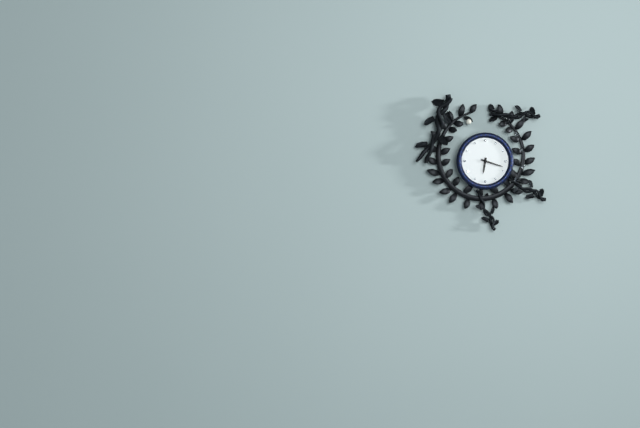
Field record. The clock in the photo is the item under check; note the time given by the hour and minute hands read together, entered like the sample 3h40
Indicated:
6h18
